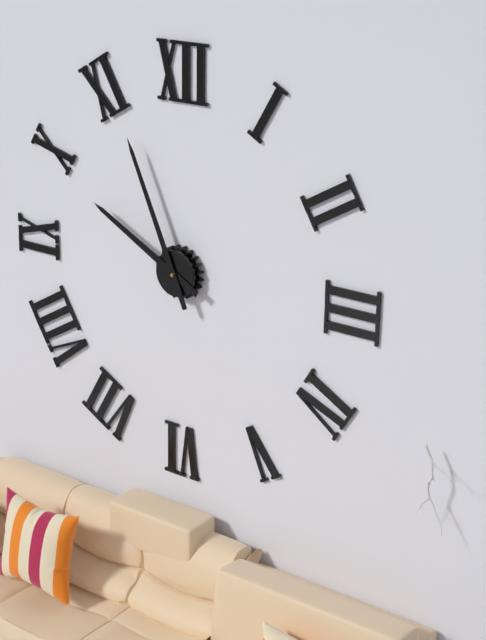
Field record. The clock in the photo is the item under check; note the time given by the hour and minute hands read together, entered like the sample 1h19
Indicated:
9h56
